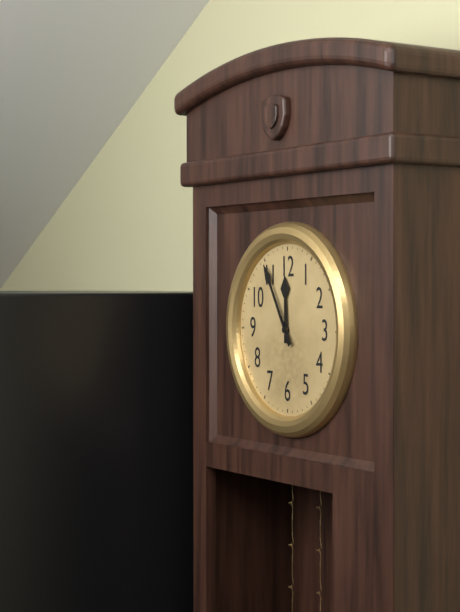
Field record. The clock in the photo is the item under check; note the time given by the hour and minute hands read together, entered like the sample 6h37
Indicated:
11h55
